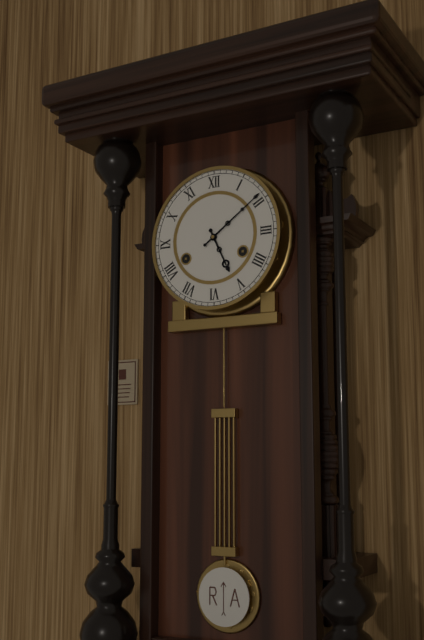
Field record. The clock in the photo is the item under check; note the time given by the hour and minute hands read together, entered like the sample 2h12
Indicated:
5h09
